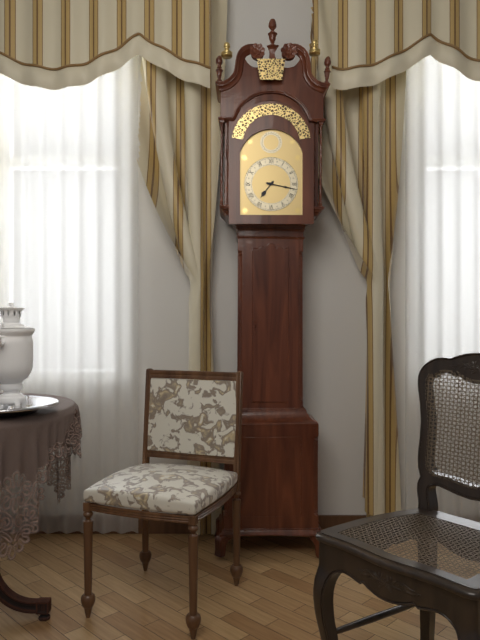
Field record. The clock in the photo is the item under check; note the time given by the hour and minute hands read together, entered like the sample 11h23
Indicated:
7h17
